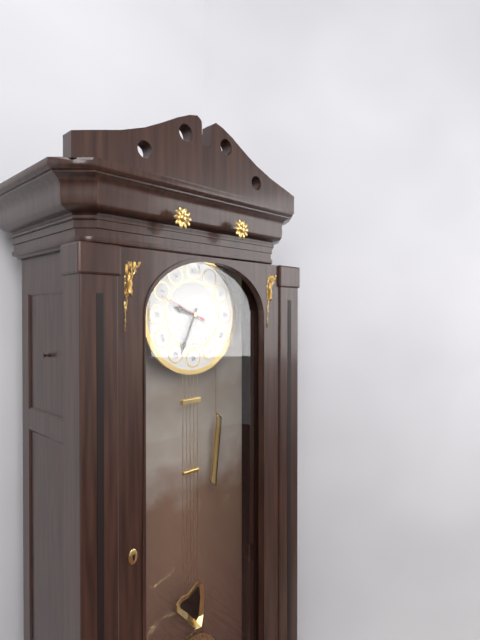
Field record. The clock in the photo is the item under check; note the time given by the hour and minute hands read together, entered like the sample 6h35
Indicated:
9h34
